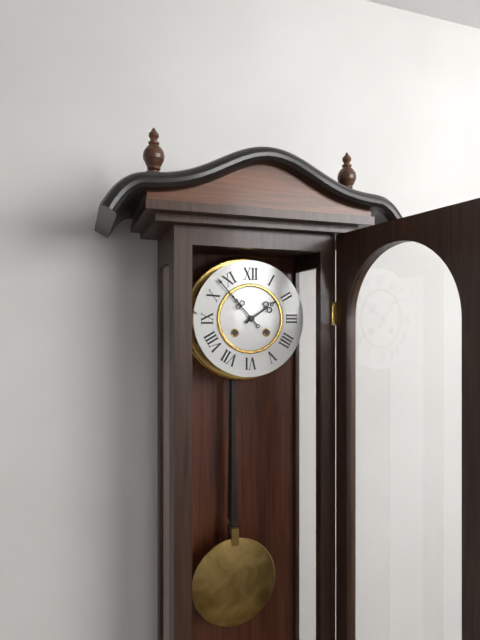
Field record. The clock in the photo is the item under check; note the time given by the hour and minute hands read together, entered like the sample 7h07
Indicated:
1h53
